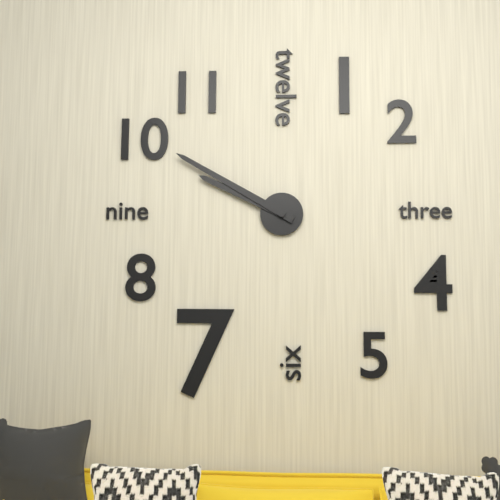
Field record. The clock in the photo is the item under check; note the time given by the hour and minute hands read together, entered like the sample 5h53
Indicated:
9h50
